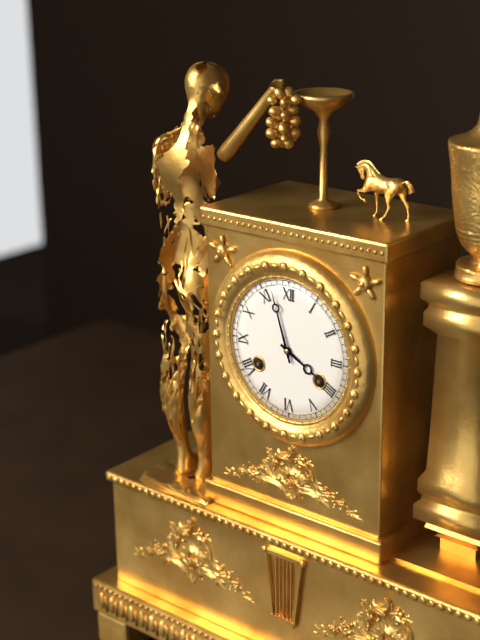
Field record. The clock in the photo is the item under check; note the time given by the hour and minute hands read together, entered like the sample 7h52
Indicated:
3h57
